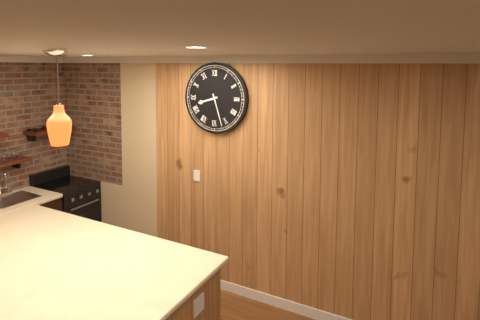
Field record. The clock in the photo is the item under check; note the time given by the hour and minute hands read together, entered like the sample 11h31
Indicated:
8h27
